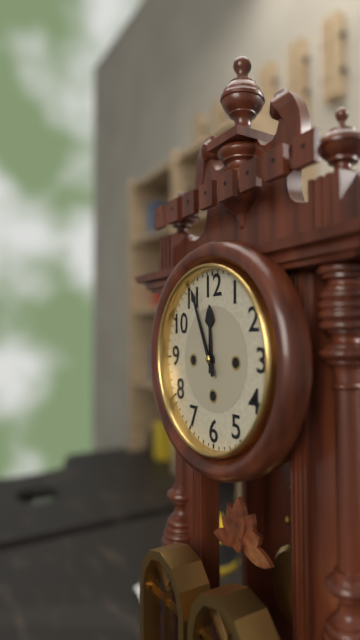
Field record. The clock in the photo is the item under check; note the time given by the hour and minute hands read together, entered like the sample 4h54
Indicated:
11h56
